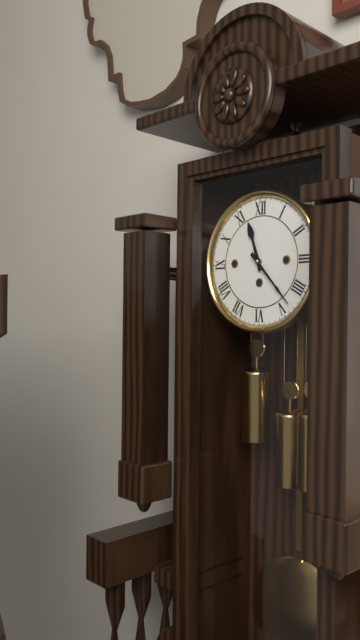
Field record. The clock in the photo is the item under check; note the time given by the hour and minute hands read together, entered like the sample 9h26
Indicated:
11h23
